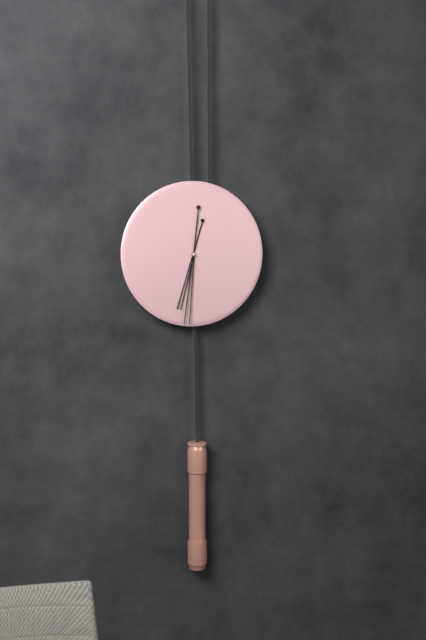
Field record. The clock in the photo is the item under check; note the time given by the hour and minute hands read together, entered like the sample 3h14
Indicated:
6h31
